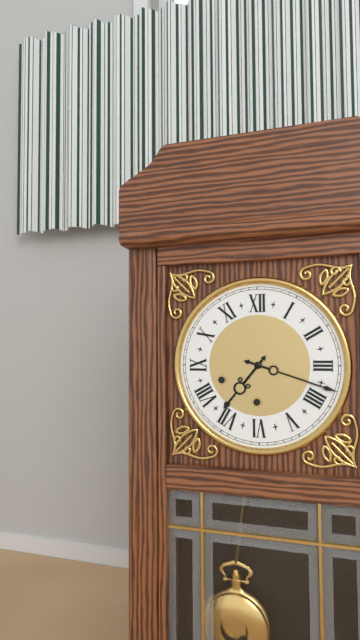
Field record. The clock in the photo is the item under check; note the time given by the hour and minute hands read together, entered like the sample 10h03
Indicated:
7h18
